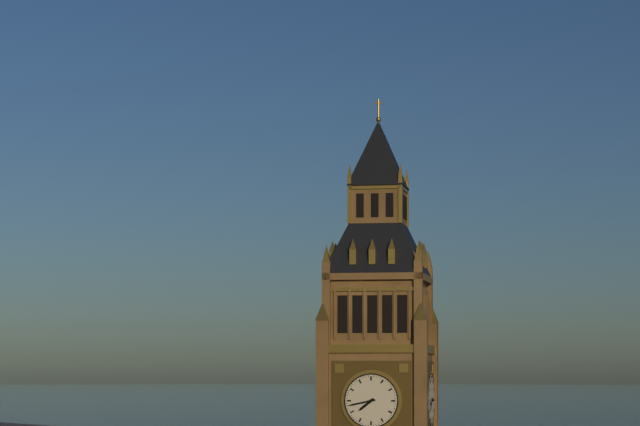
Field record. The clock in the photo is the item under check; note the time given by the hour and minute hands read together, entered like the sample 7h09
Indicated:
7h43
